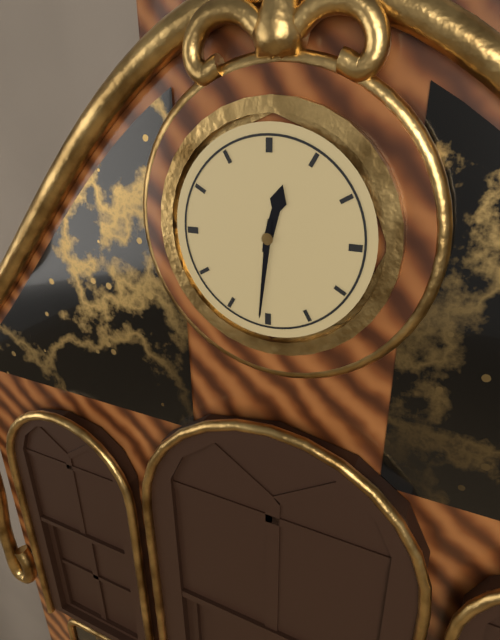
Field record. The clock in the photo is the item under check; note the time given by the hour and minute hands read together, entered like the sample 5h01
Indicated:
12h31
